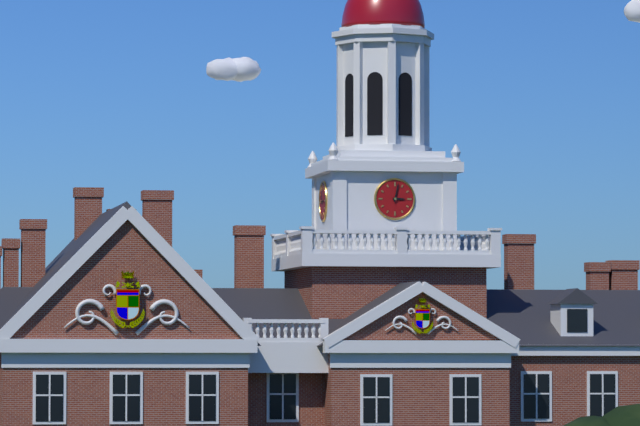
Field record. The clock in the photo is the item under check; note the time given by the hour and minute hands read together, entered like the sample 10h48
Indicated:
3h02
